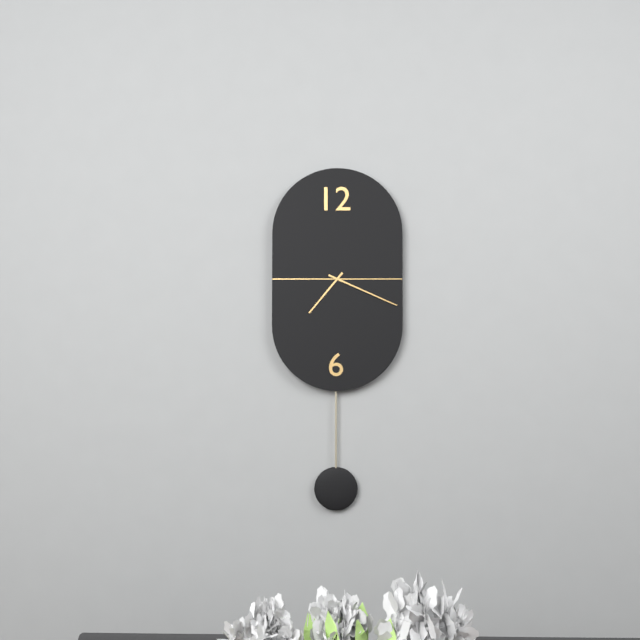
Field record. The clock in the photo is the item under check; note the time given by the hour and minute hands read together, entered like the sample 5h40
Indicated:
7h19
